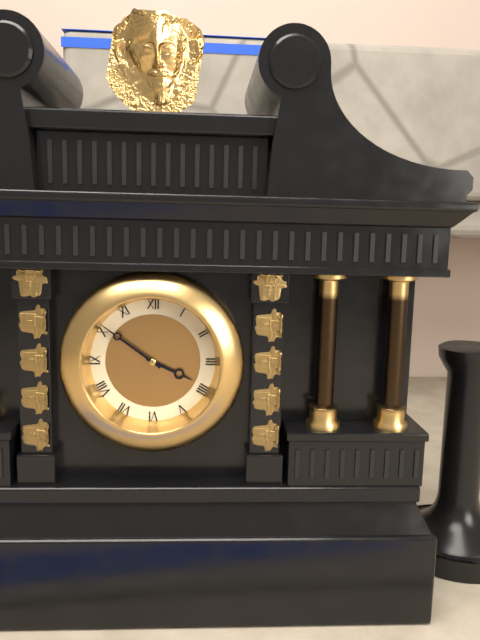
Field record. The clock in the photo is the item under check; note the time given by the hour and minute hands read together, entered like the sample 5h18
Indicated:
3h51
